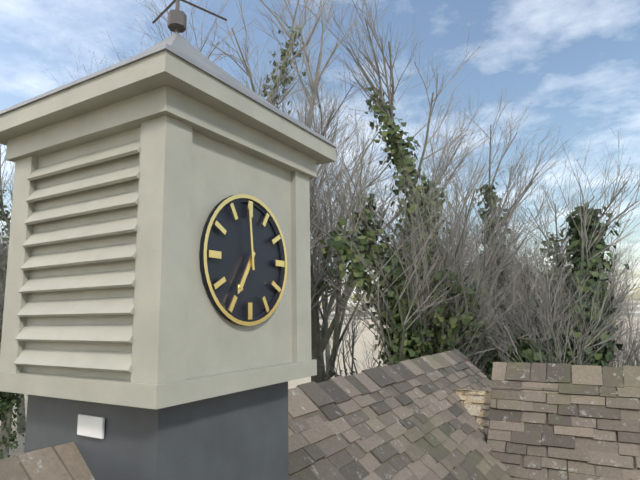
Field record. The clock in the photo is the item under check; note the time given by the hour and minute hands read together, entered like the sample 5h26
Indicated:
6h59
